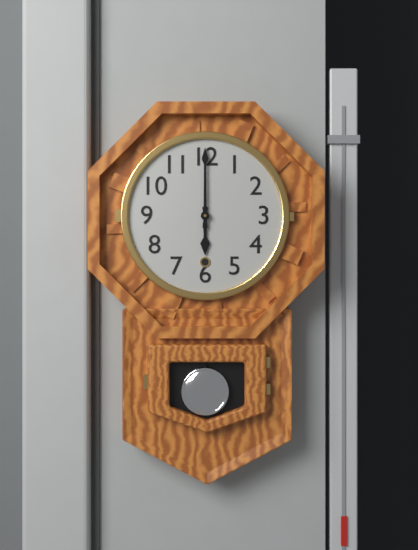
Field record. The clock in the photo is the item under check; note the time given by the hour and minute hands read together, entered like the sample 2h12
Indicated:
6h00
